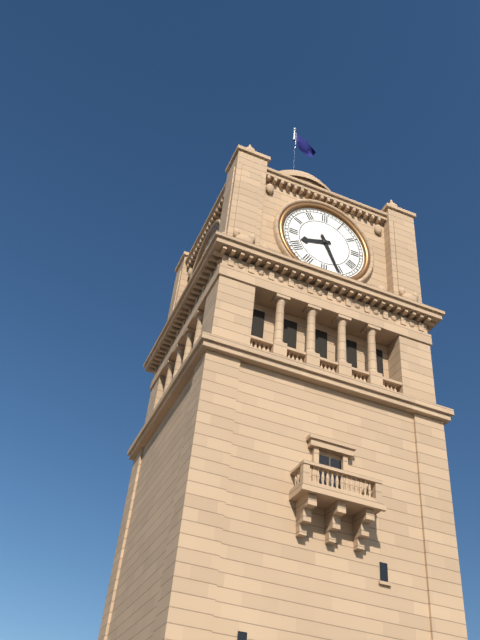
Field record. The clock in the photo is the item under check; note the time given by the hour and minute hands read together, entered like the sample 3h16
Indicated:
8h26
